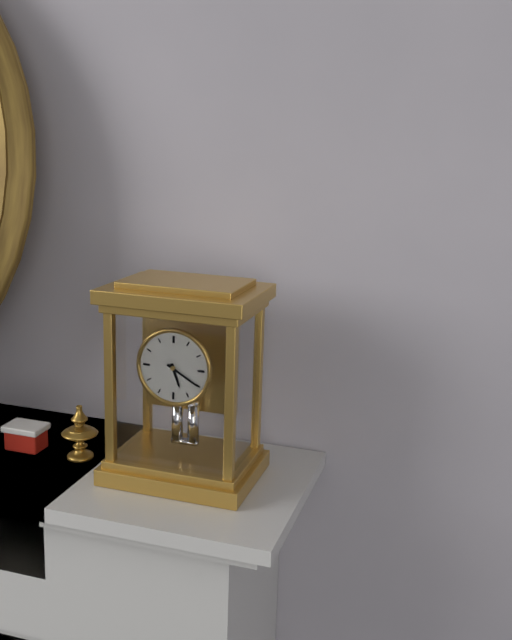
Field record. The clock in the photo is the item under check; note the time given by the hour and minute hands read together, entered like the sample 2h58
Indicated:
5h20
